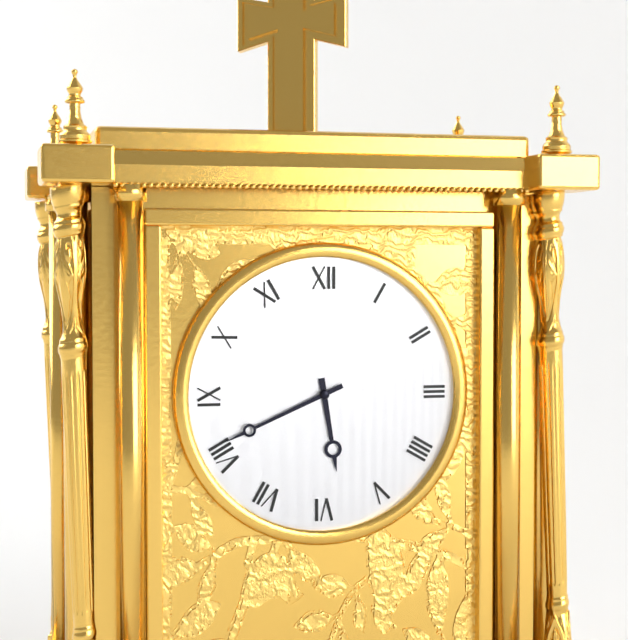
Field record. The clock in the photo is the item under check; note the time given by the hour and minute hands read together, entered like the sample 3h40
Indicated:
5h41
